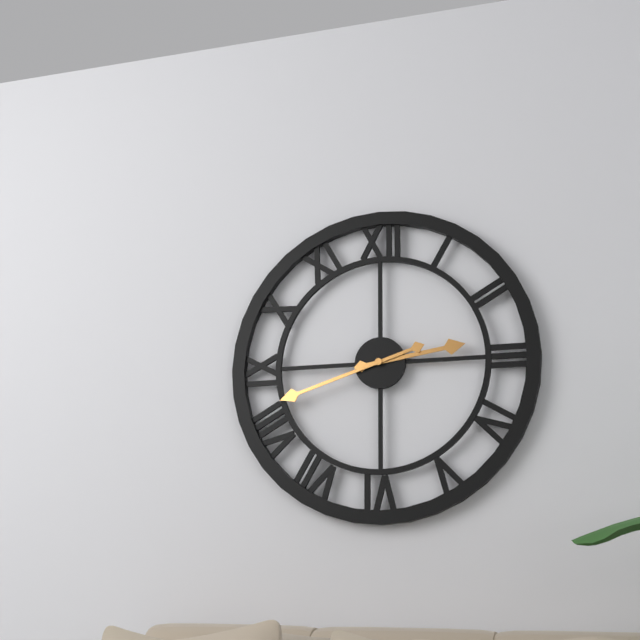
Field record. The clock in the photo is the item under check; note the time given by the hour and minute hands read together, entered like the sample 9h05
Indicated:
2h42
